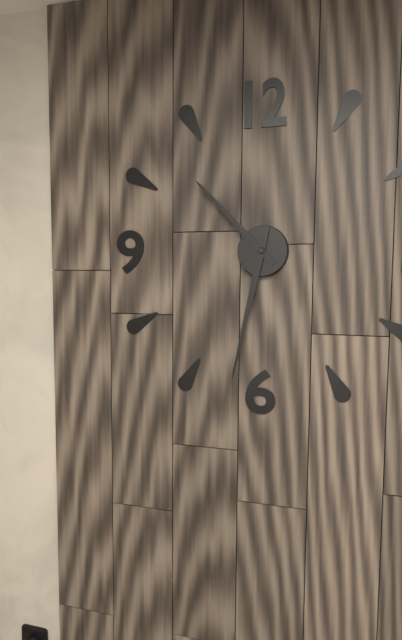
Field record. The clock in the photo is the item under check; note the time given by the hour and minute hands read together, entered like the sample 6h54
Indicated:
10h32
